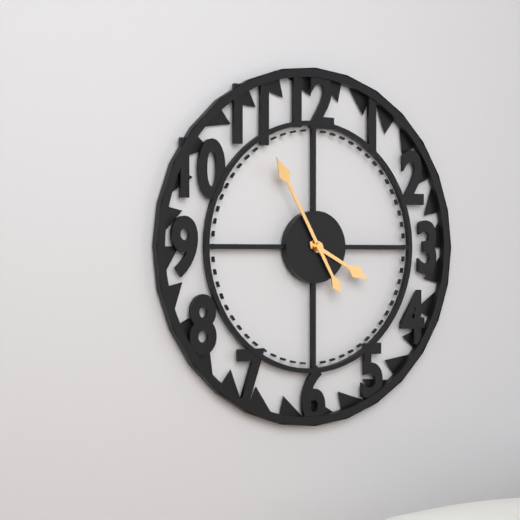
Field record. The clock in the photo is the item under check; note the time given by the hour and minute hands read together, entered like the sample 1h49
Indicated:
3h55
